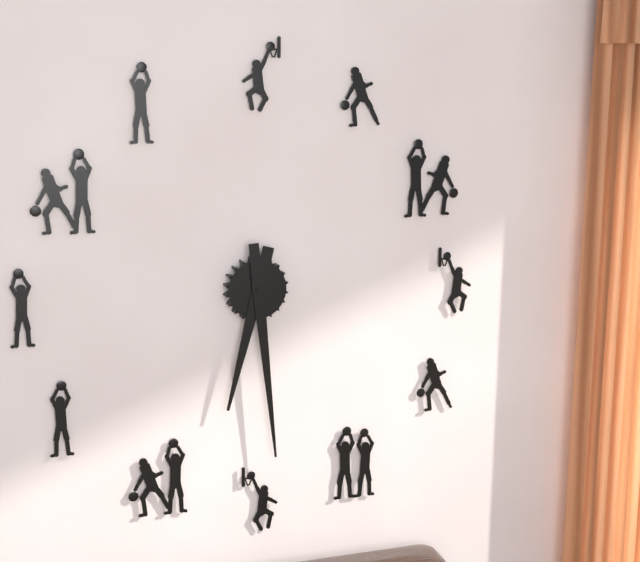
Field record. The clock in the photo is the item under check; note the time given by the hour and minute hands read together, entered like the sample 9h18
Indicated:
6h29
